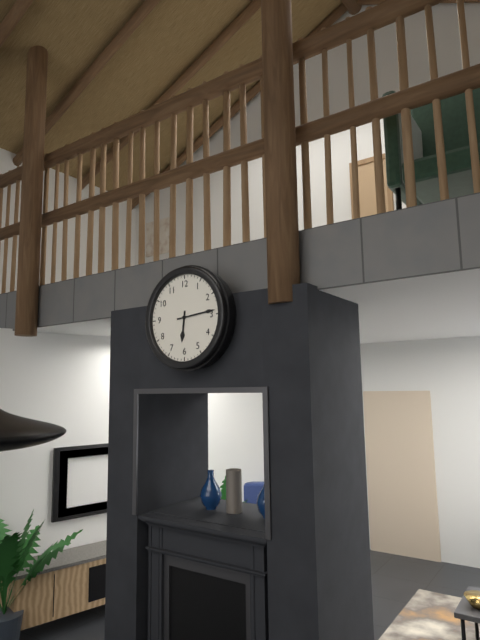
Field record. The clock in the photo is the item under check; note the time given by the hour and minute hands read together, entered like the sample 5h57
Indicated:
6h14
